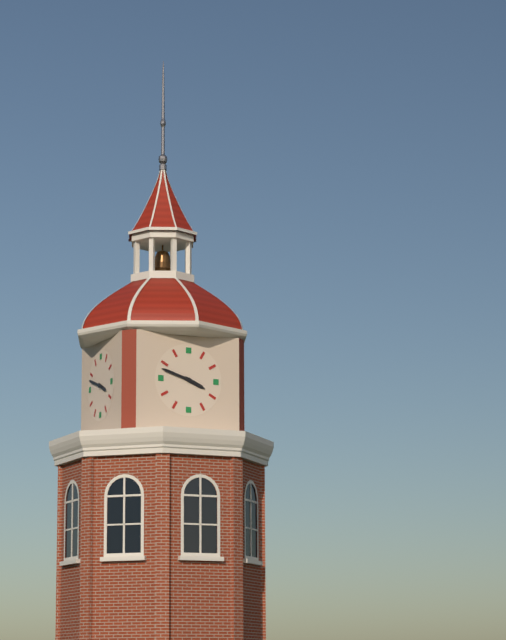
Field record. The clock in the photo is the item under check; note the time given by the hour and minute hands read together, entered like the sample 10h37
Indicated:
3h48
